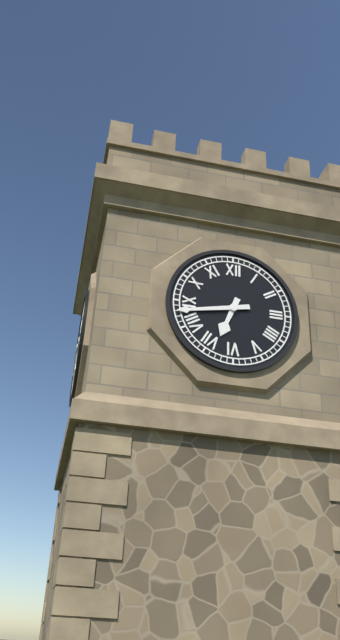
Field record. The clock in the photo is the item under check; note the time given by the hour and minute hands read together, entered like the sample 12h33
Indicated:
6h43
